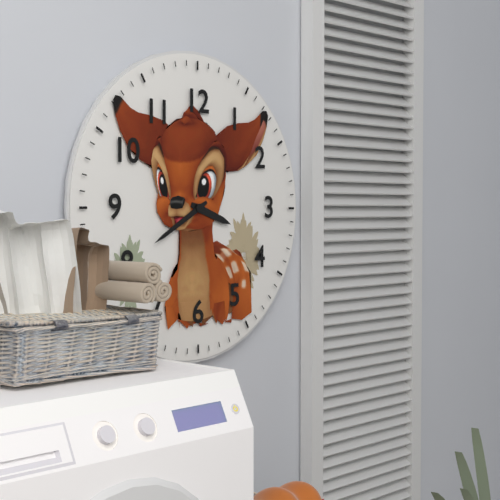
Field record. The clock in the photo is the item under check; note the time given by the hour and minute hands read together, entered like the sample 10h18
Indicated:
3h40
